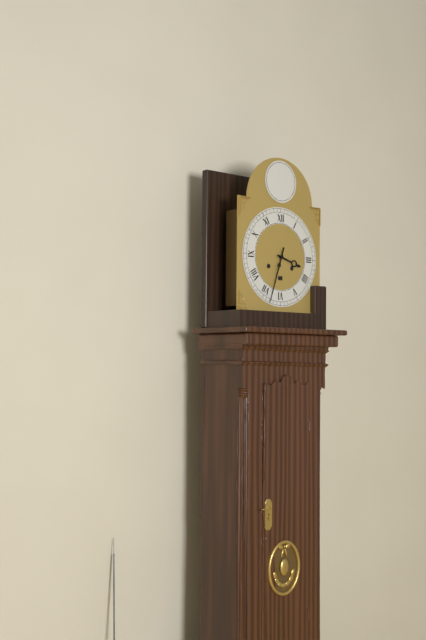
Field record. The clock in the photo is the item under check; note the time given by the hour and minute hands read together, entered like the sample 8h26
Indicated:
3h33
